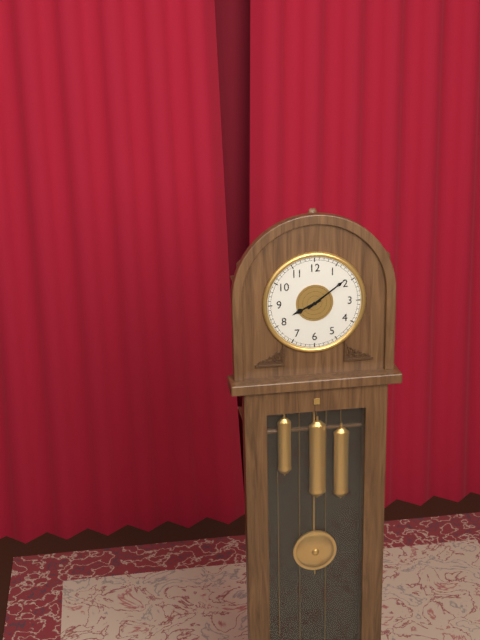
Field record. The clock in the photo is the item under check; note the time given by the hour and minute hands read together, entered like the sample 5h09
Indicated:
8h09
